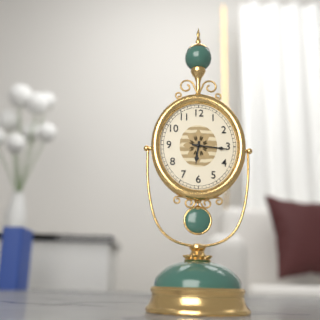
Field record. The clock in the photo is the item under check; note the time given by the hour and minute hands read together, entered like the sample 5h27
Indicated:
6h16
